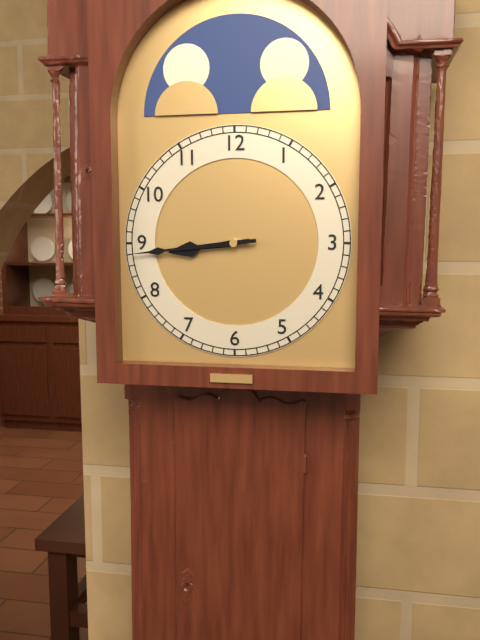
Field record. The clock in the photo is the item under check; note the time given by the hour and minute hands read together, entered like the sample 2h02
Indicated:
8h44
